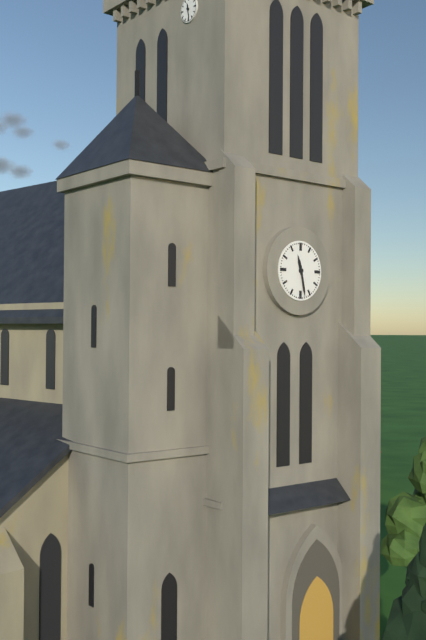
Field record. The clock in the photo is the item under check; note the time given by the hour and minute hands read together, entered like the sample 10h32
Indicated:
11h28
